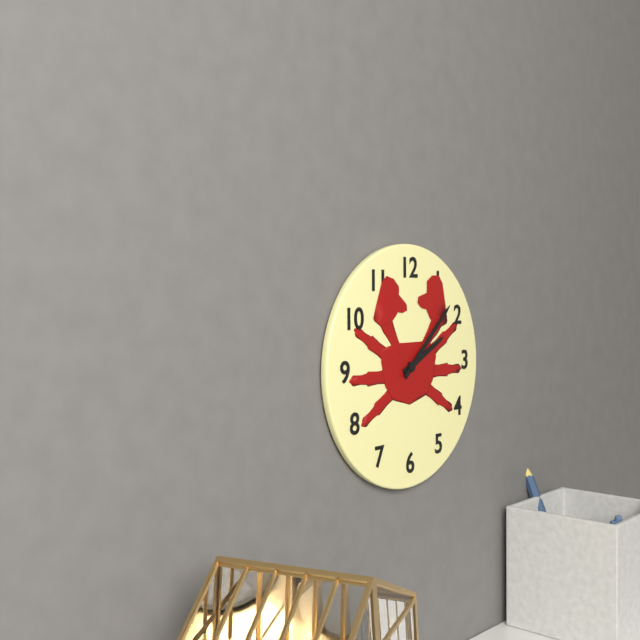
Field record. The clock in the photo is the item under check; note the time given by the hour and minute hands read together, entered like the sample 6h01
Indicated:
2h08
